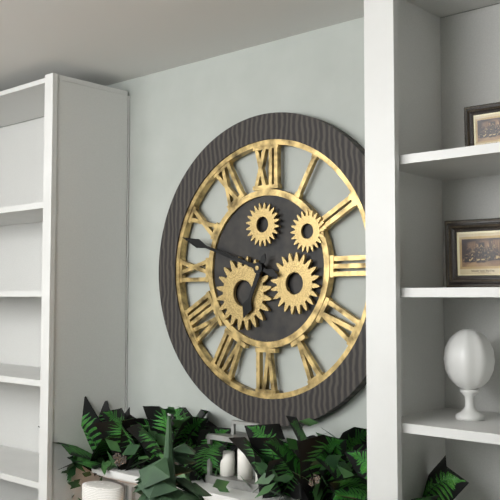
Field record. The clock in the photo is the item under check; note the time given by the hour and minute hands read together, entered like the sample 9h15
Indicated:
6h48
